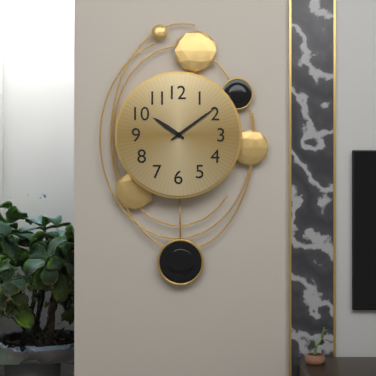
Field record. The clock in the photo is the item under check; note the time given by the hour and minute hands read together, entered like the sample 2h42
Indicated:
10h09
